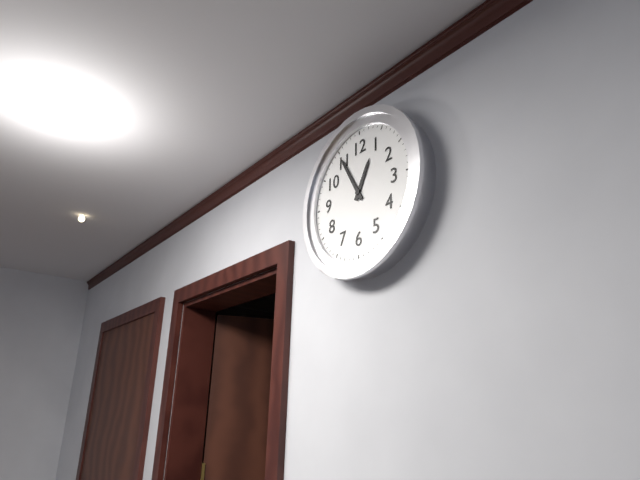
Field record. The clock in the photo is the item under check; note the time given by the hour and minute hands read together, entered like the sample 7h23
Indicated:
12h55
